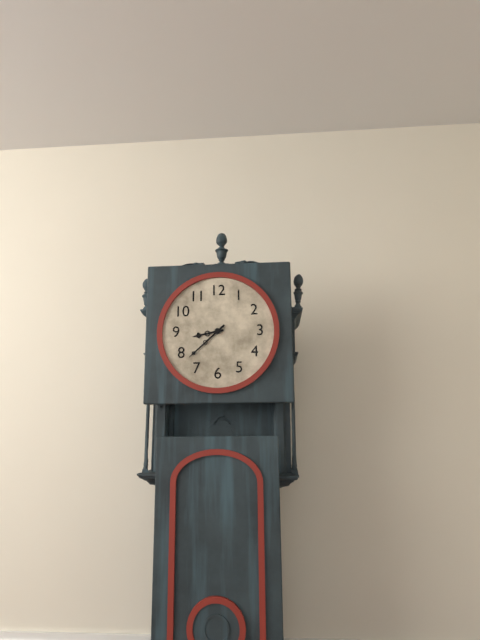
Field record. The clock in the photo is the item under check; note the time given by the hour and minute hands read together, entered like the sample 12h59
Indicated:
8h38
